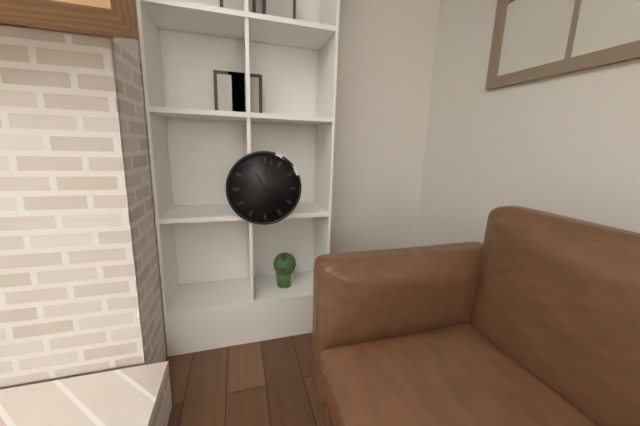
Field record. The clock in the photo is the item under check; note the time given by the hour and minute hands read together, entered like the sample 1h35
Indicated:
11h02
